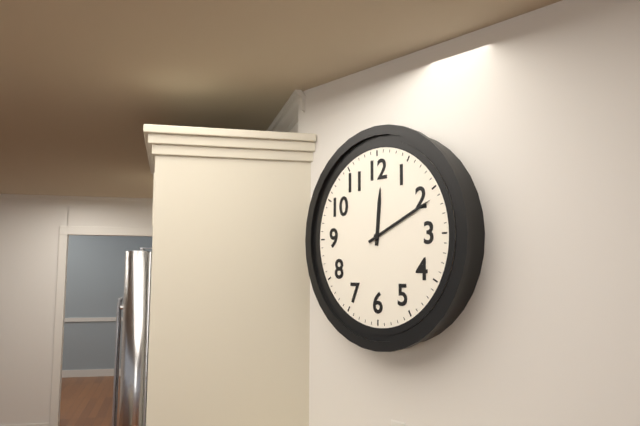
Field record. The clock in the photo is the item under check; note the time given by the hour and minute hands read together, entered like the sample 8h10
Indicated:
12h11
